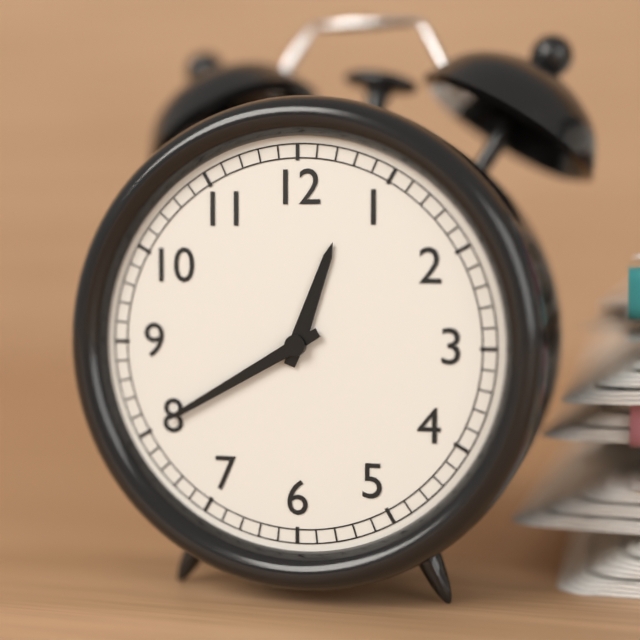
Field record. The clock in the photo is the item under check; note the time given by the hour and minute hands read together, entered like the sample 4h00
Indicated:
12h40
